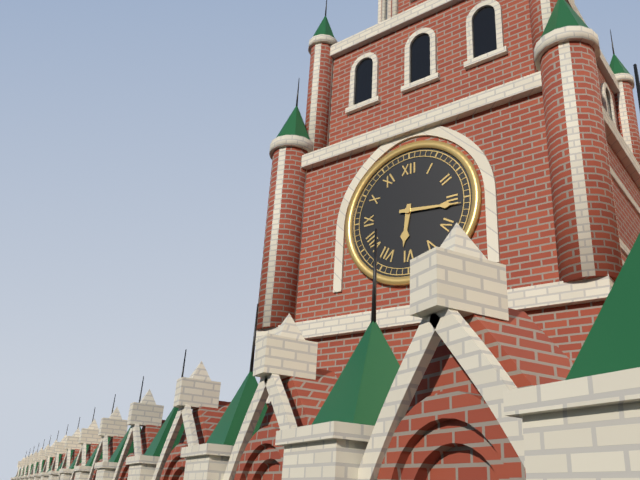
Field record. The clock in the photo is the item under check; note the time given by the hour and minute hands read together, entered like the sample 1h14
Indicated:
6h16
